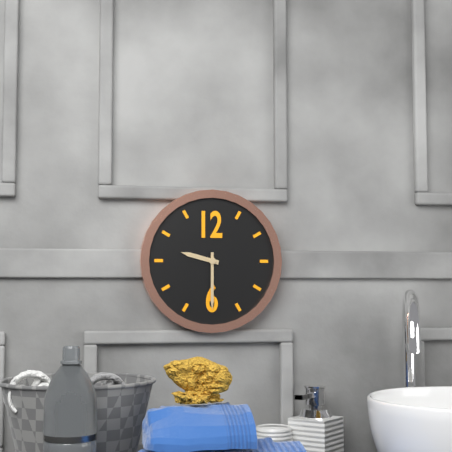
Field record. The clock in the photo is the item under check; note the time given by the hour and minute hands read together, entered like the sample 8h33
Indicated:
9h30
